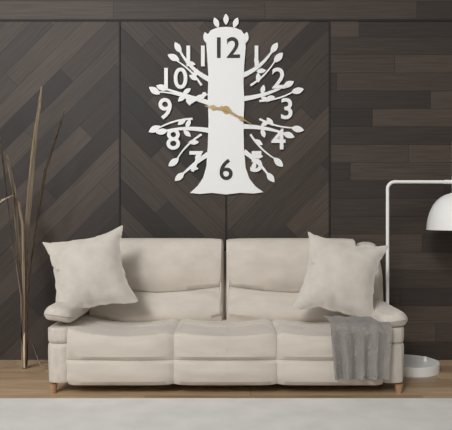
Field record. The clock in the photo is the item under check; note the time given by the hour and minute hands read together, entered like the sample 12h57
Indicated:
9h20
